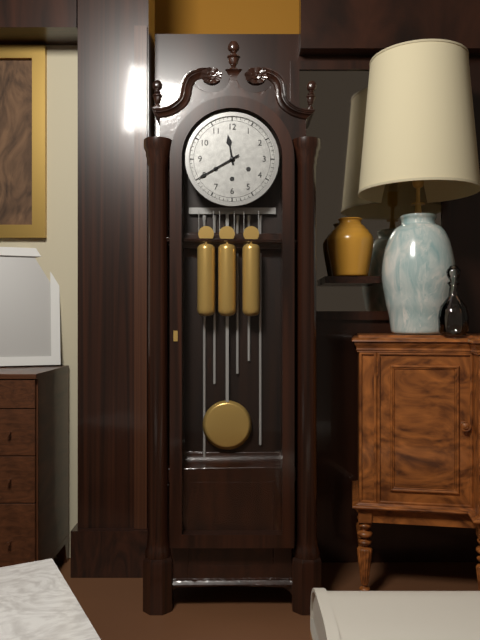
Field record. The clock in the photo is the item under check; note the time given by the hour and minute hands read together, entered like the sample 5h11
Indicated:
11h40
